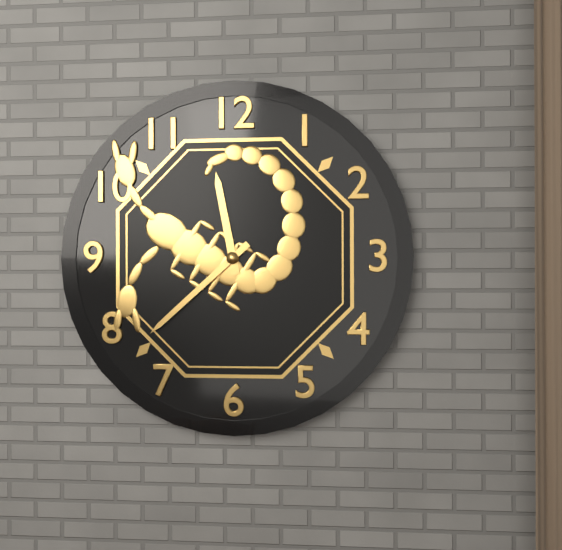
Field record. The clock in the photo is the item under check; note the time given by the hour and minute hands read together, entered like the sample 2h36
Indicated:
11h38
